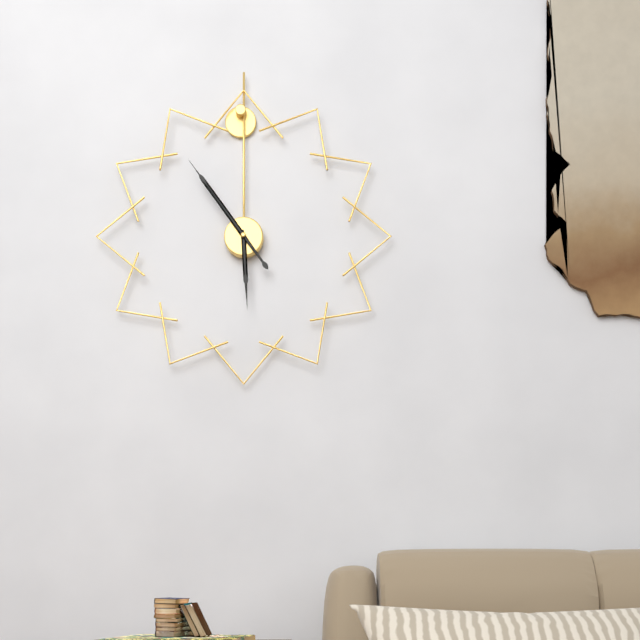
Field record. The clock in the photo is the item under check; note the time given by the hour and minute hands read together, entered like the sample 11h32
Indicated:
5h54
